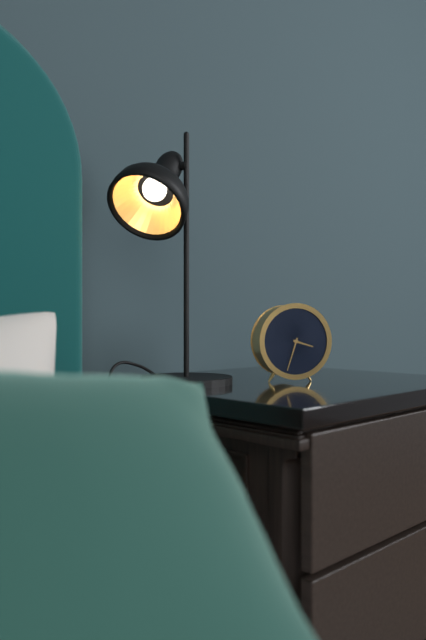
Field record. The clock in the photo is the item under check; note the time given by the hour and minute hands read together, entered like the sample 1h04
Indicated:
3h33
